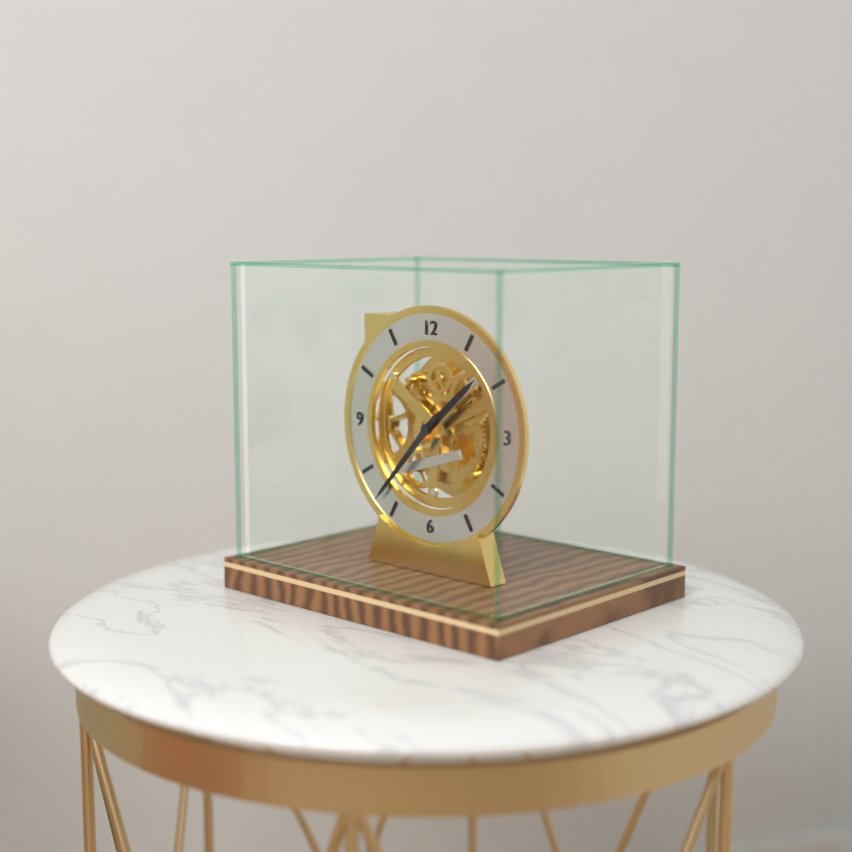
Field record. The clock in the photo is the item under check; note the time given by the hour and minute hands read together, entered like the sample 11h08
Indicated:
1h37
